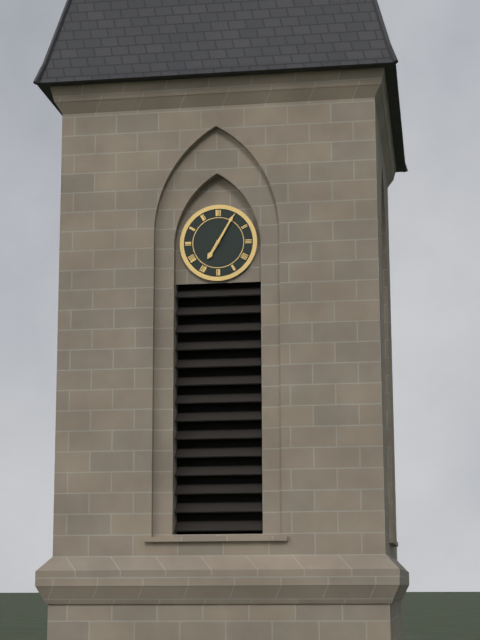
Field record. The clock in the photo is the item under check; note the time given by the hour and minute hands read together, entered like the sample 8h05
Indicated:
7h05
